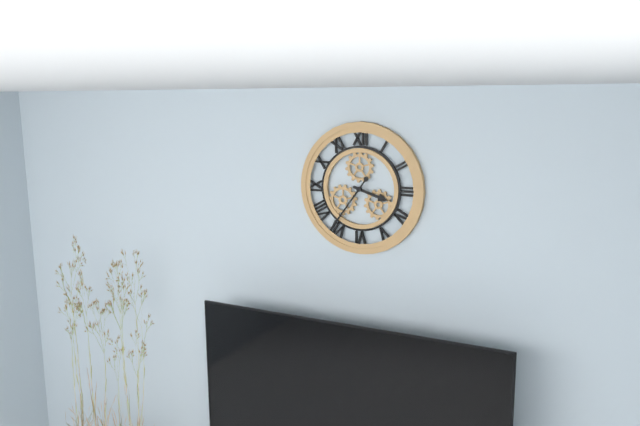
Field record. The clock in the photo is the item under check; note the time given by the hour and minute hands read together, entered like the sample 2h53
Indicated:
3h36
